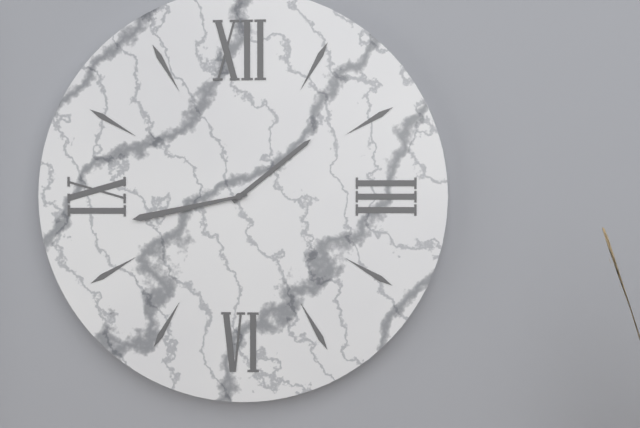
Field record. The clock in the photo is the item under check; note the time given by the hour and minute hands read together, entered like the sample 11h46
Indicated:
1h43
